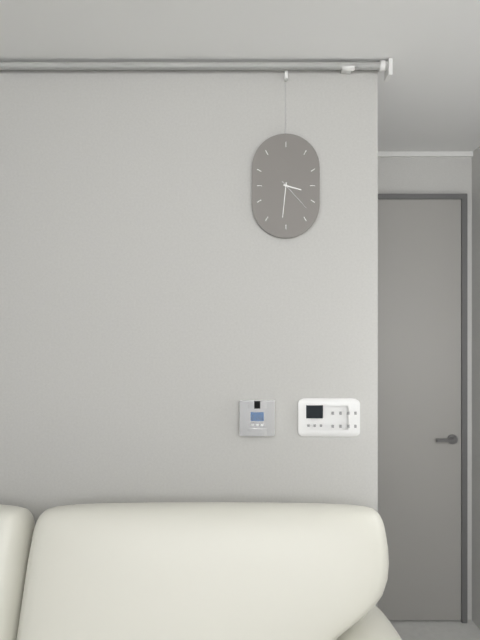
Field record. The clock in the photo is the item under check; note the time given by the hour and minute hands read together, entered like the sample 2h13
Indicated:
3h31
